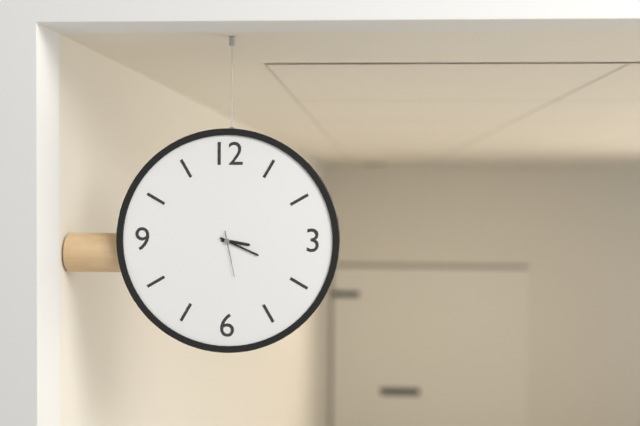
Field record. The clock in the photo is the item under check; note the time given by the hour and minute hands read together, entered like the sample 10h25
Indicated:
3h19
